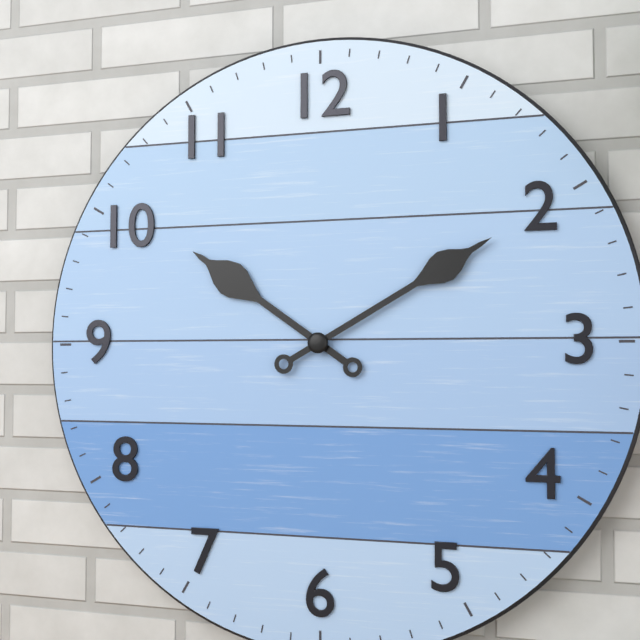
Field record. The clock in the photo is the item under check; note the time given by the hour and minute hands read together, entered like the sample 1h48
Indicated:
10h10
